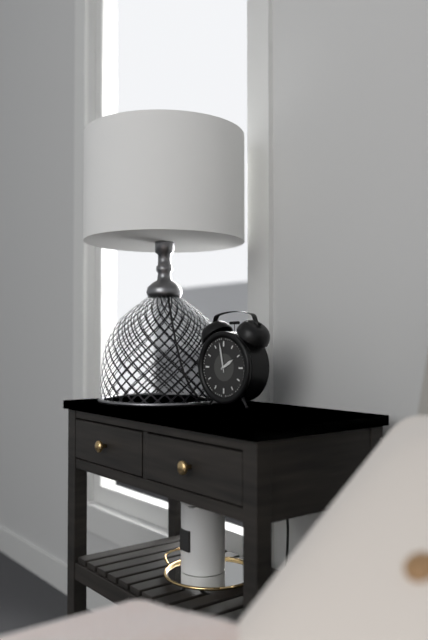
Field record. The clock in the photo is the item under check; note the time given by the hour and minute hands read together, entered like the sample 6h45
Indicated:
1h58
